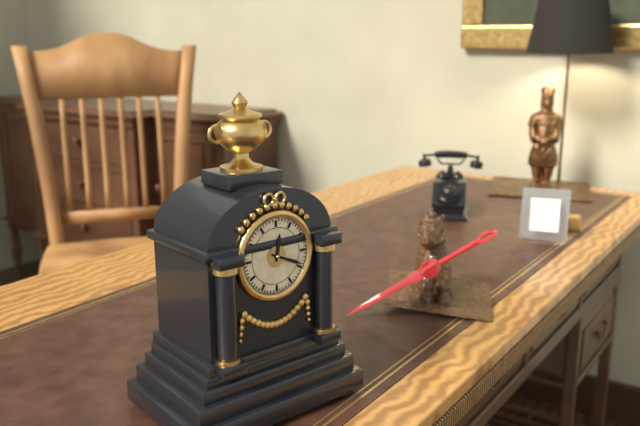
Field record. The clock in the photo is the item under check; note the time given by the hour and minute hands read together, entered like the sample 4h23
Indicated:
12h19
